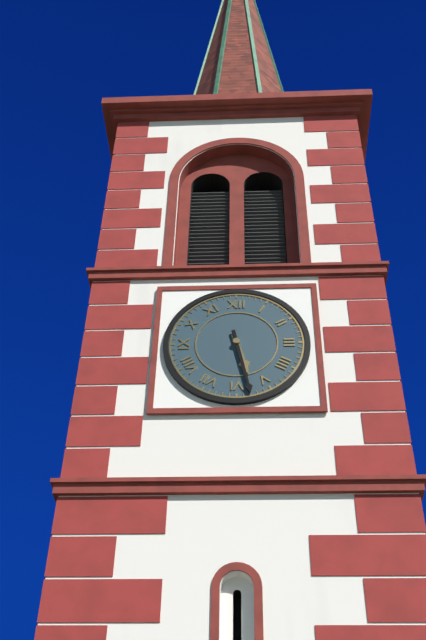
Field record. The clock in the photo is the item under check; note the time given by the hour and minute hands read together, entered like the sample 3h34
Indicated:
5h28
